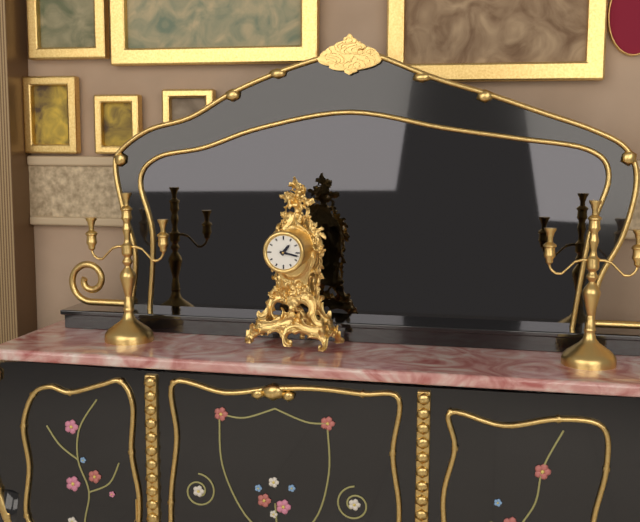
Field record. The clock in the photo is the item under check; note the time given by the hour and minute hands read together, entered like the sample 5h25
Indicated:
1h17
